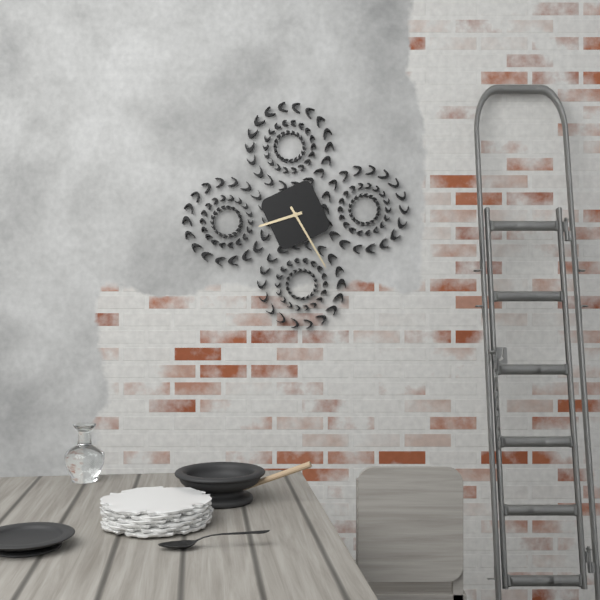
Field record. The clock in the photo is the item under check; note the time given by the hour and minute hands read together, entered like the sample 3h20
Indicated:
8h25
